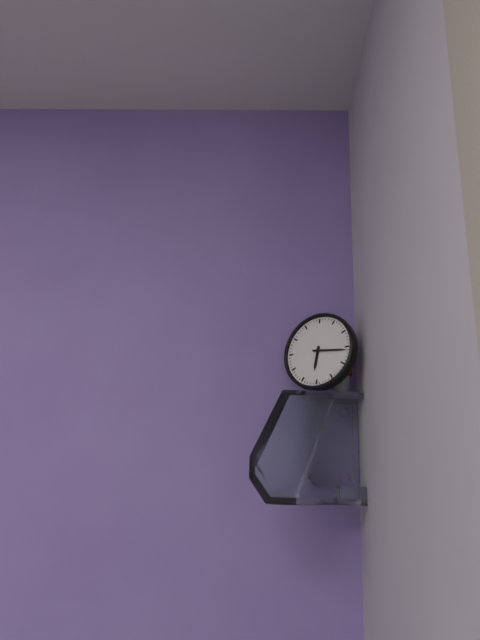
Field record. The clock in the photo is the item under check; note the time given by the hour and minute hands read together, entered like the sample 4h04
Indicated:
6h16
